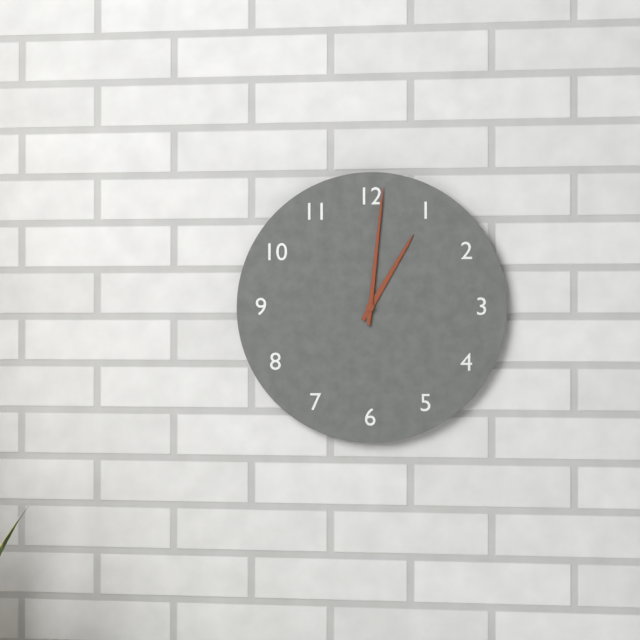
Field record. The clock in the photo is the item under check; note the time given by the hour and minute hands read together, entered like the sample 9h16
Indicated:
1h01
